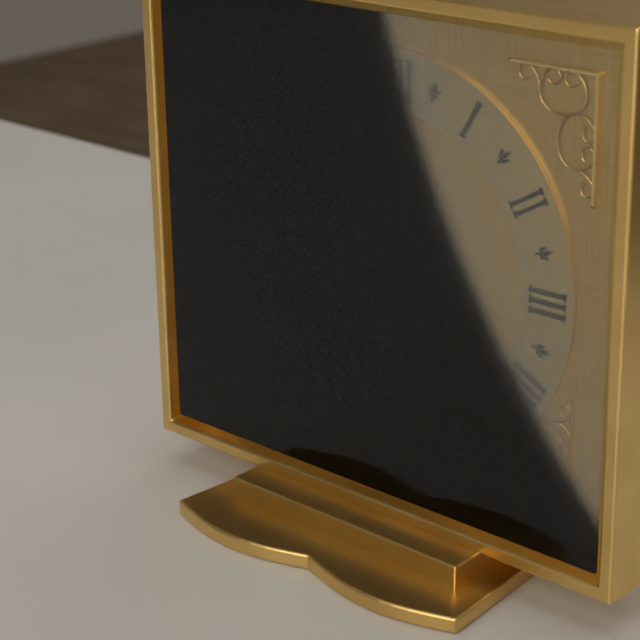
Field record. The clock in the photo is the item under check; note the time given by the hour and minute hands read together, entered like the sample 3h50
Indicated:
7h35
